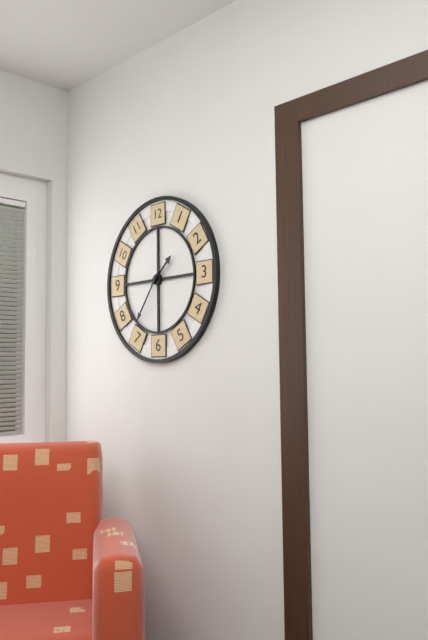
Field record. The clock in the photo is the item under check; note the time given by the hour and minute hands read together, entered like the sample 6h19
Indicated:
1h36
